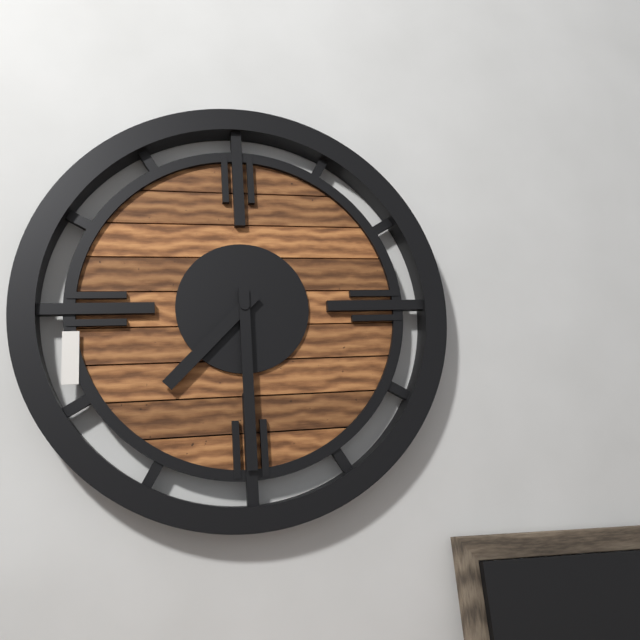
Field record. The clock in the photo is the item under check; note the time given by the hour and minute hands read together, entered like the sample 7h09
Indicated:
7h30
